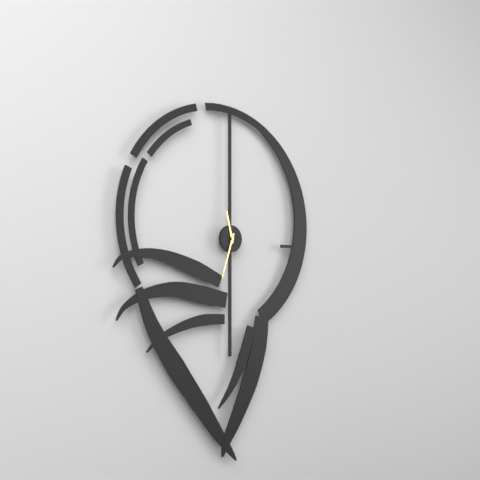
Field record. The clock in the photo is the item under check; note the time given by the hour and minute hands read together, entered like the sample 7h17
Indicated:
11h33
